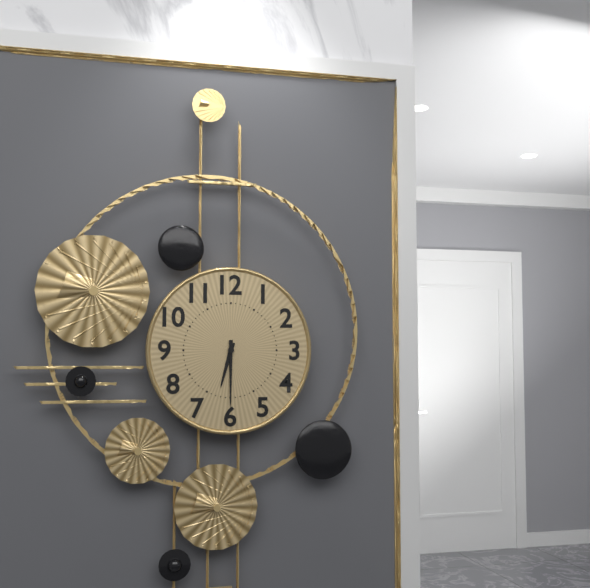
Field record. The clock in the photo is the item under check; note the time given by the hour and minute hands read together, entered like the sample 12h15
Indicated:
6h30
